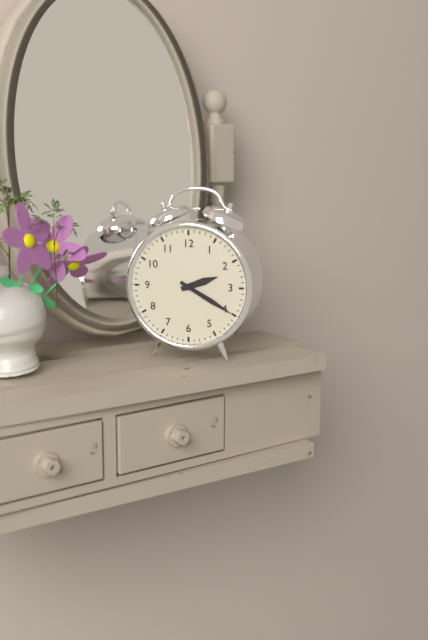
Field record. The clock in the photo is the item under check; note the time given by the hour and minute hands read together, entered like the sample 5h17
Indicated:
2h20
